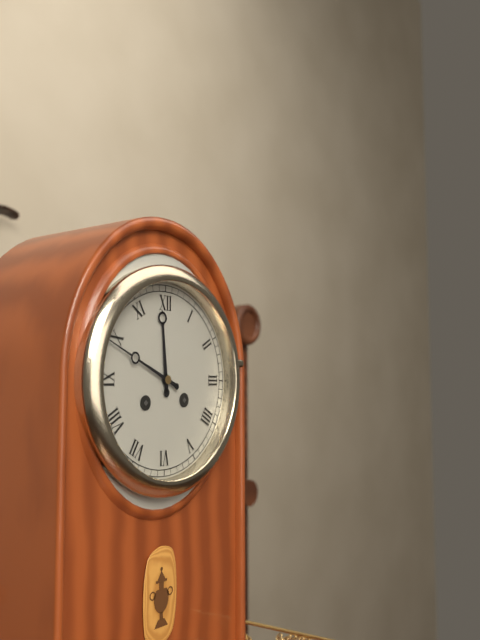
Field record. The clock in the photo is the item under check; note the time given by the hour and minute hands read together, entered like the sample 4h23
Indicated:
11h49
